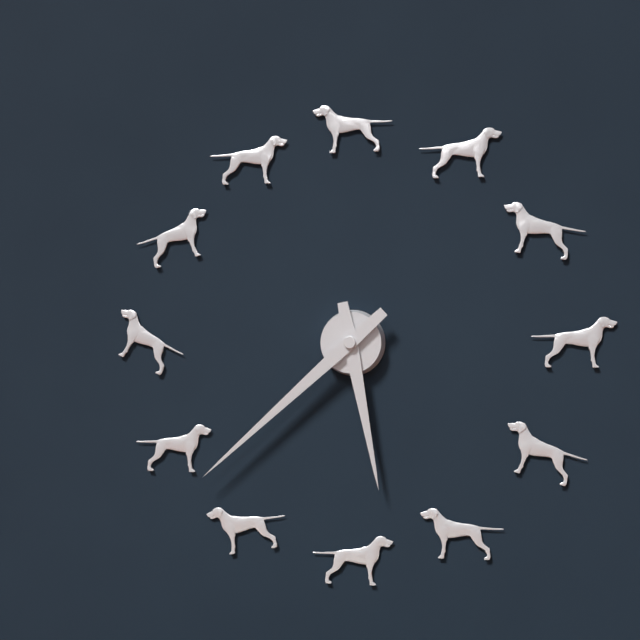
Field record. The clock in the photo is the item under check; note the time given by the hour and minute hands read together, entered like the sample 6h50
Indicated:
5h38
